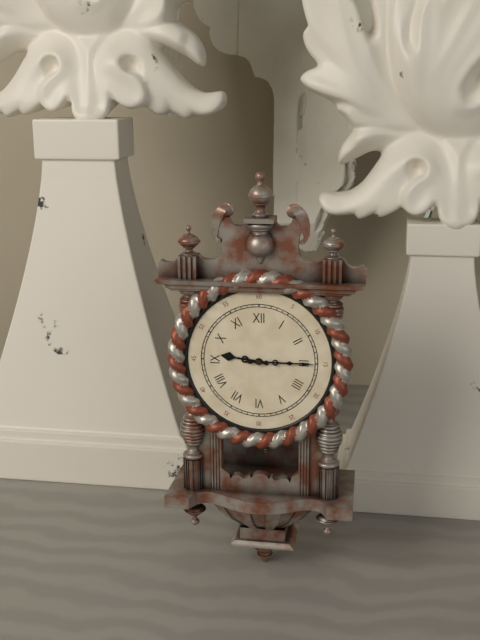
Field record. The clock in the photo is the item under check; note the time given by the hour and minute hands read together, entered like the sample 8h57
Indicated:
9h15
